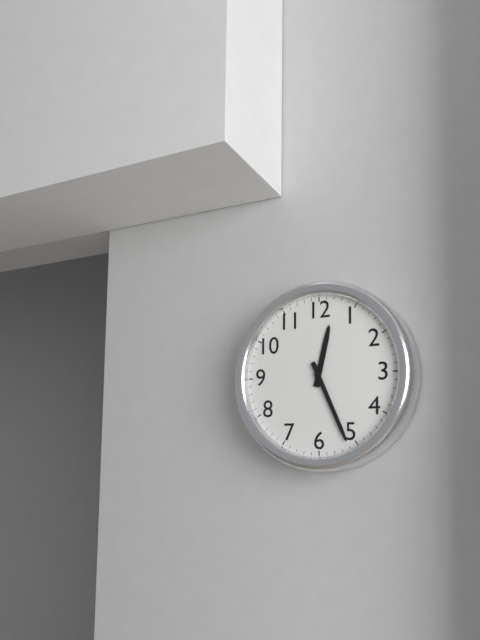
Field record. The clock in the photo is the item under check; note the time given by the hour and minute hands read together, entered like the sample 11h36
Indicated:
12h26
